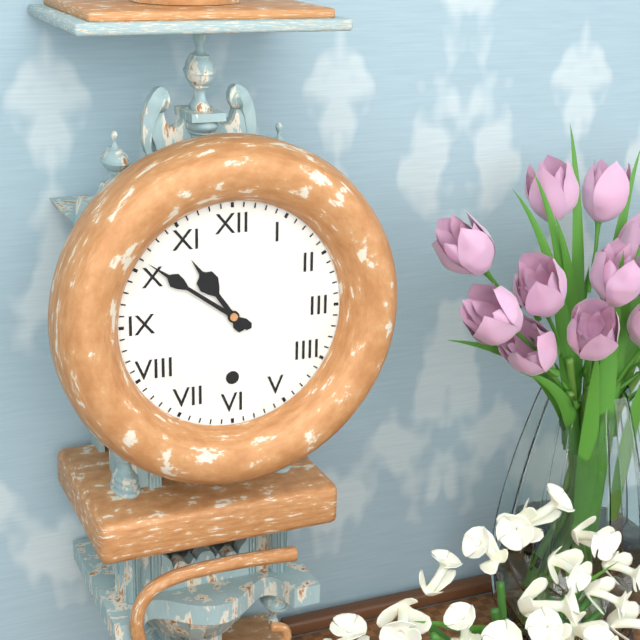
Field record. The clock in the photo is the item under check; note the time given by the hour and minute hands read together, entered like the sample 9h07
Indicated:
10h51
